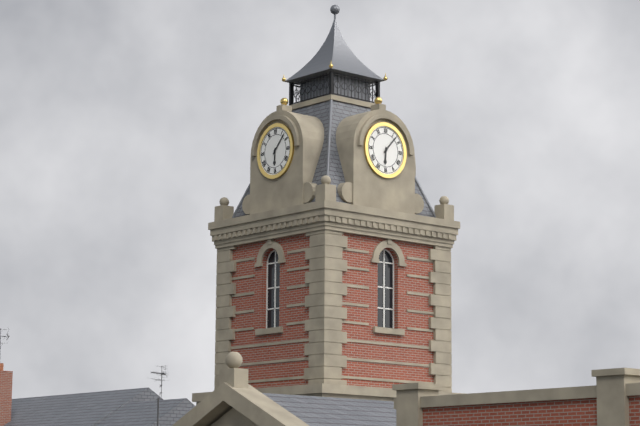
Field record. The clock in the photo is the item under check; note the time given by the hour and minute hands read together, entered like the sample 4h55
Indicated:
6h07
